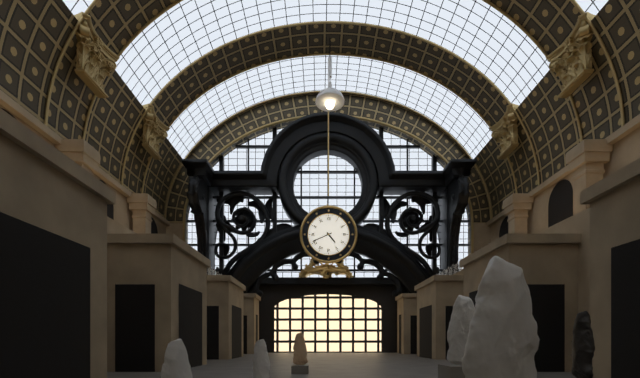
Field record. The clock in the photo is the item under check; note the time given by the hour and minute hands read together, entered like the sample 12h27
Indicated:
4h41
